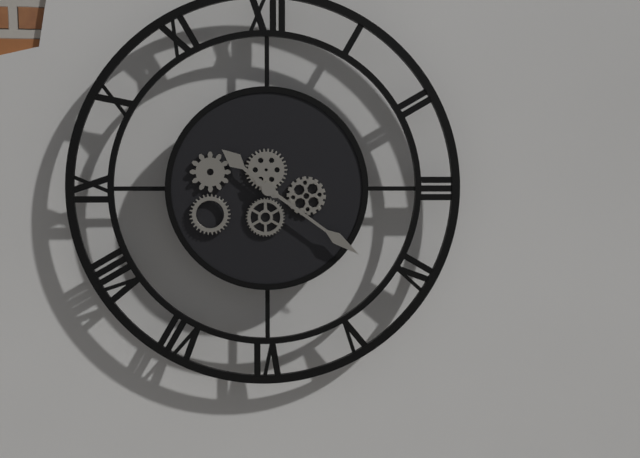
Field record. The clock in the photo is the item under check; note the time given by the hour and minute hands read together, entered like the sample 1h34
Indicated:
10h21
